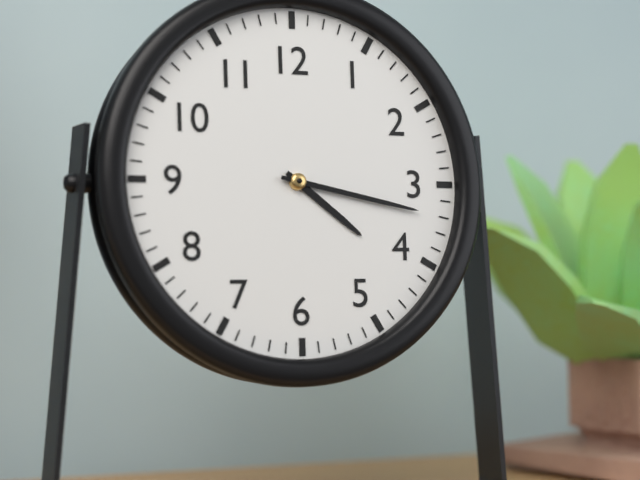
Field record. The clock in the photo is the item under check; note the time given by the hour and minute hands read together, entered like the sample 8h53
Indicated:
4h17
